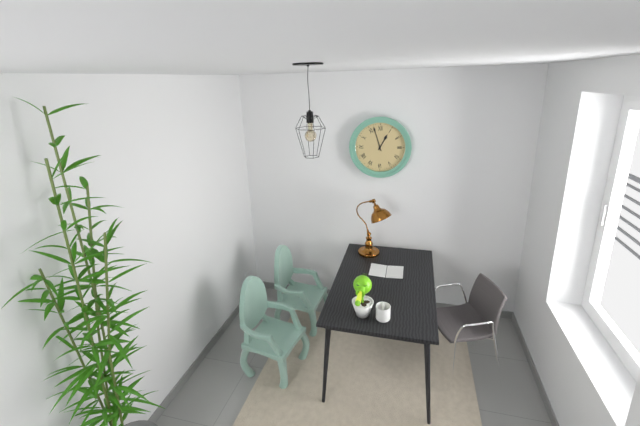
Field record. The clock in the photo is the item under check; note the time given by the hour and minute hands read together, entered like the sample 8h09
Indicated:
12h57
